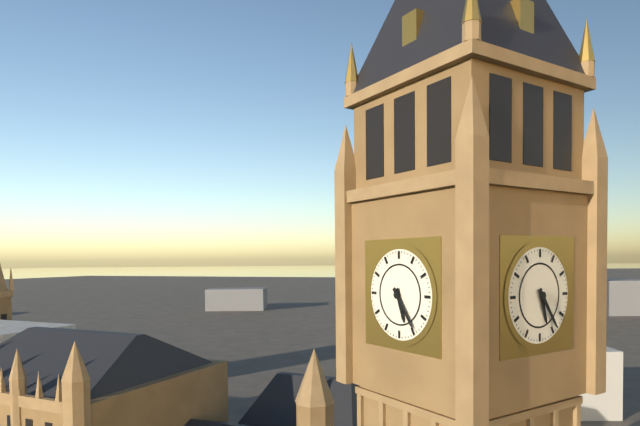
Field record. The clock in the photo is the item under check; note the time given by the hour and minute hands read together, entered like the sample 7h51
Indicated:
5h24
